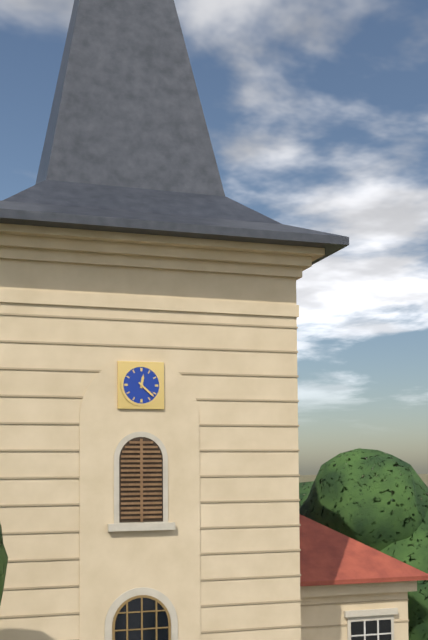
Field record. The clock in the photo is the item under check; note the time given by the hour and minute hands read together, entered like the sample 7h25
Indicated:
12h22
